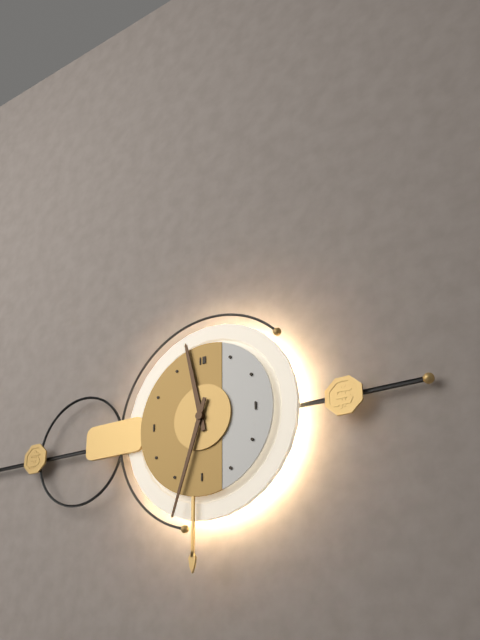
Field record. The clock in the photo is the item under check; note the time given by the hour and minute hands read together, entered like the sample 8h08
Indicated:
11h33
